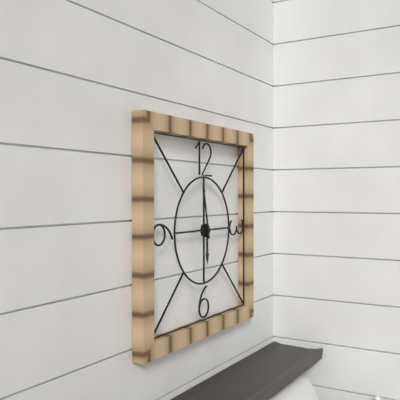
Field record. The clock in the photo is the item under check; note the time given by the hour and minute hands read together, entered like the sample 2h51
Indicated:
5h58
